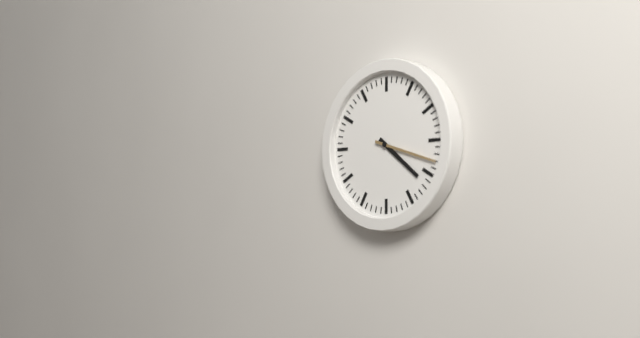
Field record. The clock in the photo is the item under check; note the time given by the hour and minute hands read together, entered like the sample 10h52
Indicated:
4h18
